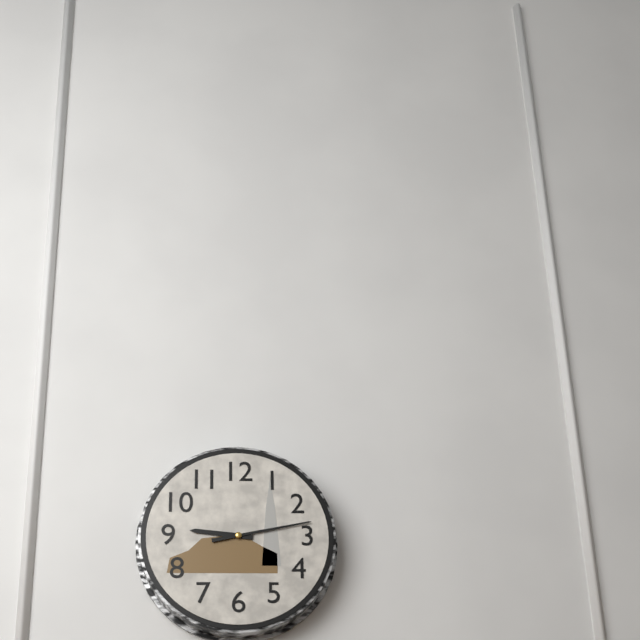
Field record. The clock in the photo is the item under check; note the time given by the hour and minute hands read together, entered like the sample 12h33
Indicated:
9h13
